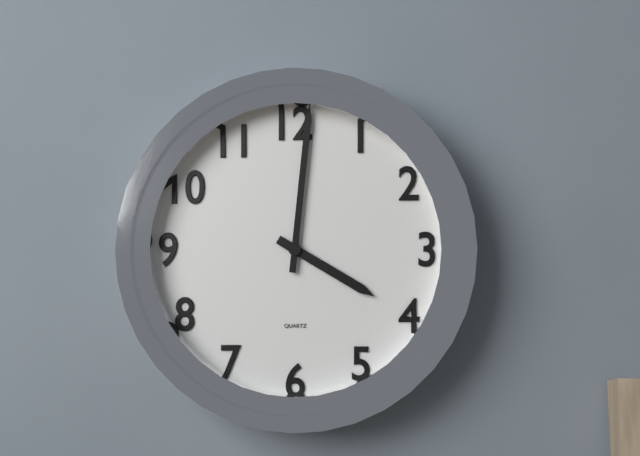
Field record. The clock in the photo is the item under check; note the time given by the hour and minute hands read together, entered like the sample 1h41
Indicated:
4h01
